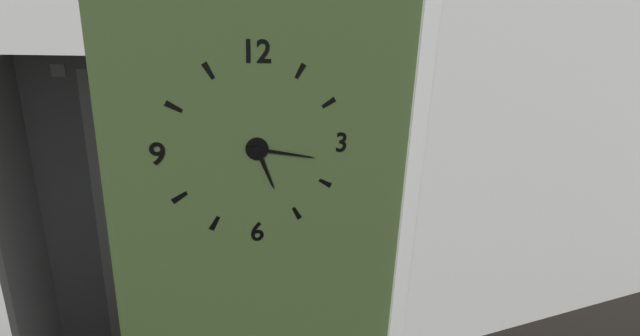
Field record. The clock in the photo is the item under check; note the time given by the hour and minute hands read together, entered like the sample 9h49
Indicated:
5h17
